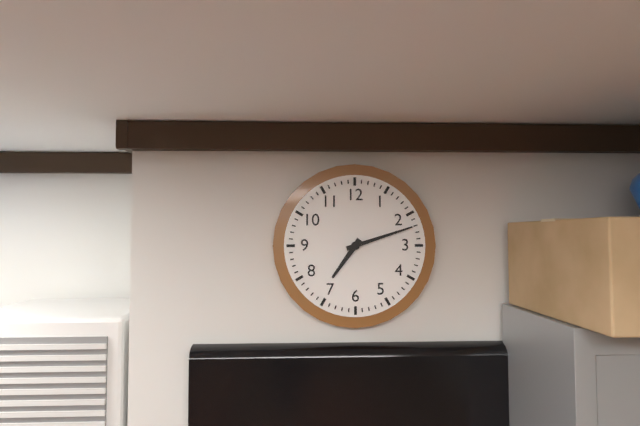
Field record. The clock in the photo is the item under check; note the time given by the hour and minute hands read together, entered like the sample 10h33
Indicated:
7h12
